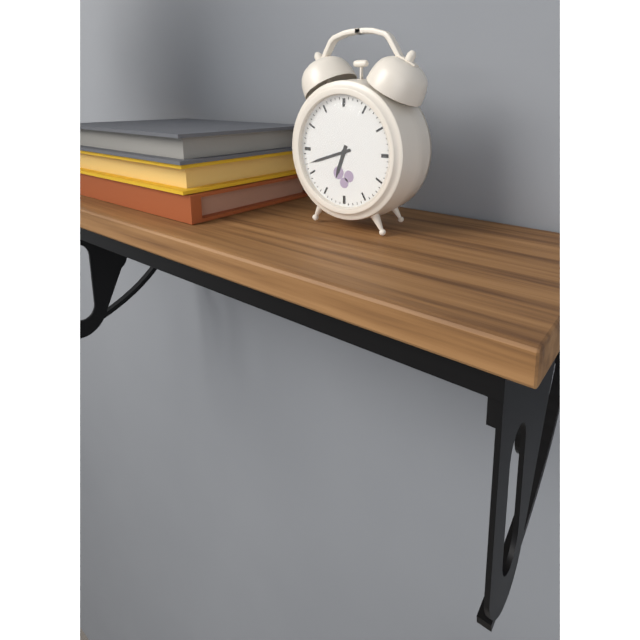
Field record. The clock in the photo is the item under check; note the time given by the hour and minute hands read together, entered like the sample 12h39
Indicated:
6h42
